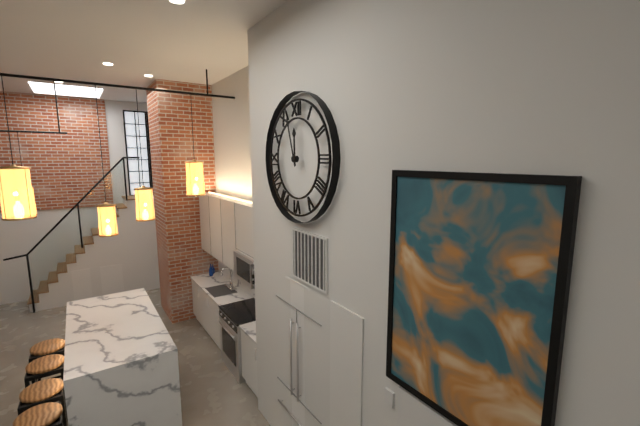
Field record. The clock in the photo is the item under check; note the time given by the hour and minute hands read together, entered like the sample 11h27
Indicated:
11h57
